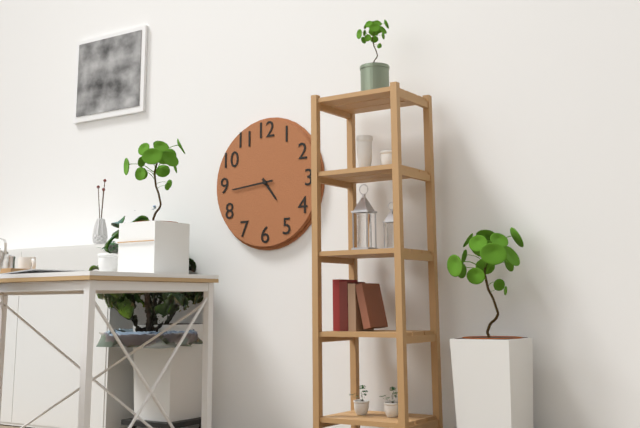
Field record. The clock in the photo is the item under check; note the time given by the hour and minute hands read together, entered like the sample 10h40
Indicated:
4h44
